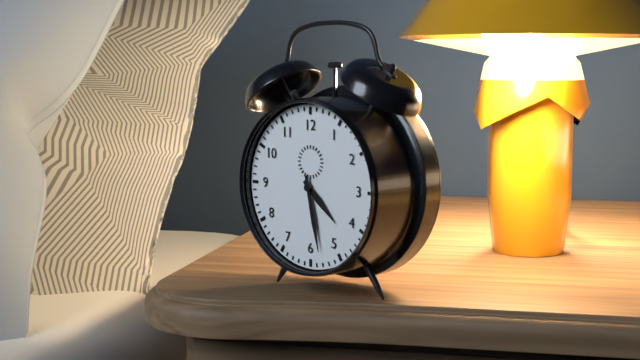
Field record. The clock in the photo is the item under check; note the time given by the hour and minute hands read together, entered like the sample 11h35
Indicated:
4h28
